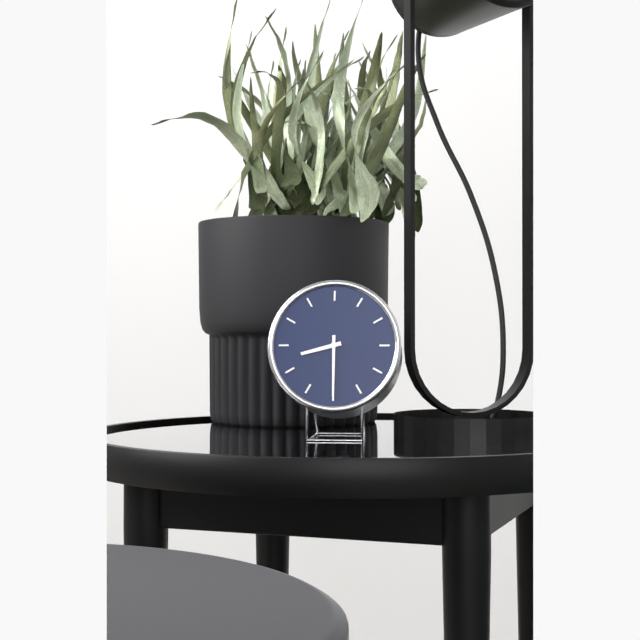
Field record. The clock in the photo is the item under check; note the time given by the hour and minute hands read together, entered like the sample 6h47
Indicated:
8h30
